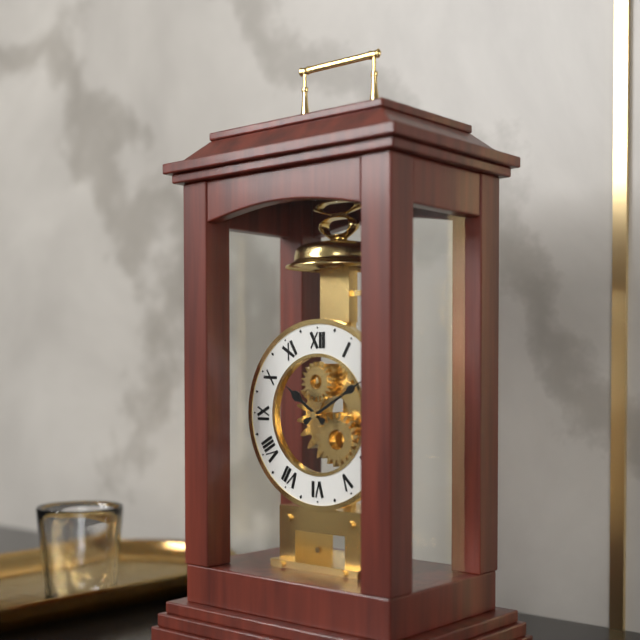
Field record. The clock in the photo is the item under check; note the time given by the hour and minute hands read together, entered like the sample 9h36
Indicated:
10h10
